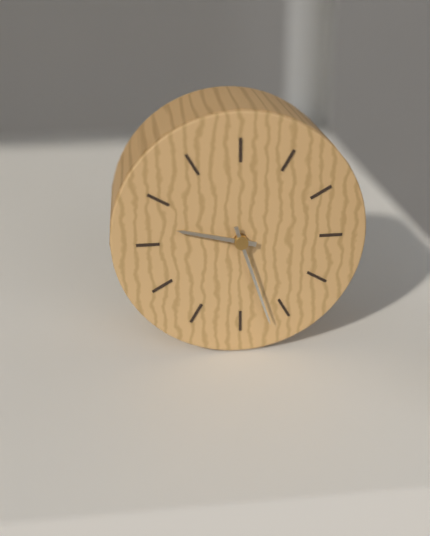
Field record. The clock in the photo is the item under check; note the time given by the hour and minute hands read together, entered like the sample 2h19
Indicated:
9h27
